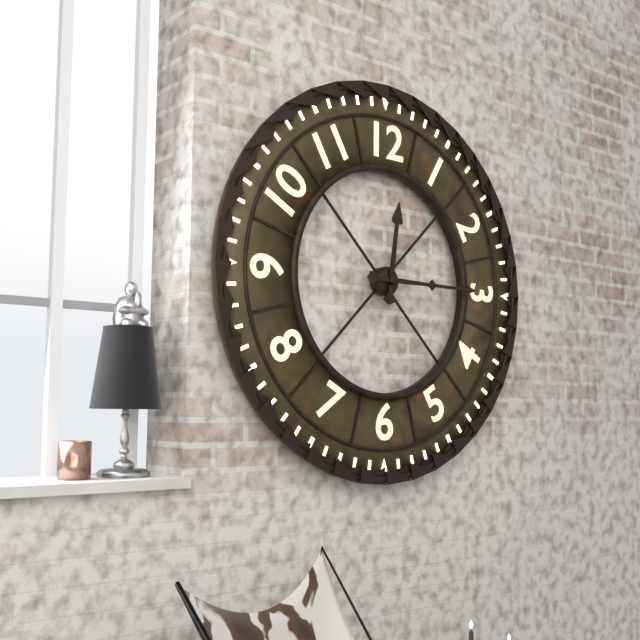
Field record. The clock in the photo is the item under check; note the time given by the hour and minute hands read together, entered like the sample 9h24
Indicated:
12h15
